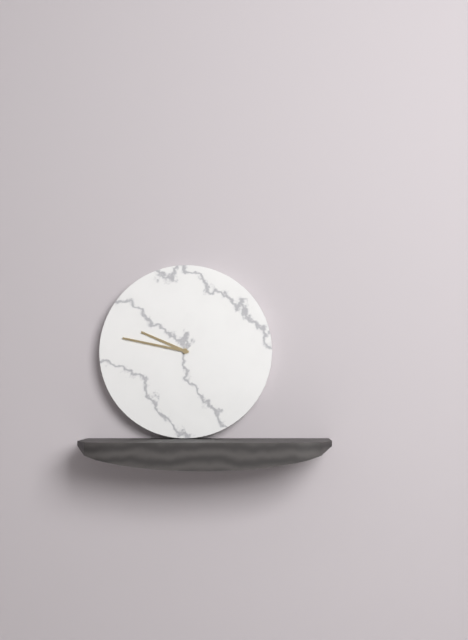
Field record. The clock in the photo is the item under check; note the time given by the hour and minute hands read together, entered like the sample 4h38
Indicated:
9h47
